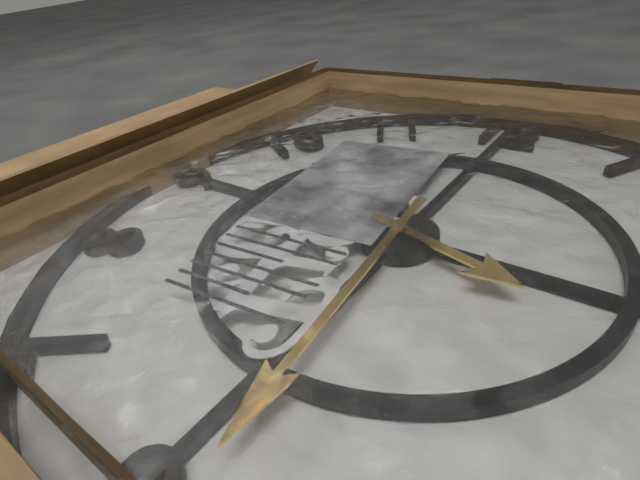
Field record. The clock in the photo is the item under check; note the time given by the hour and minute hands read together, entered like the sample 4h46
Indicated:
3h29
